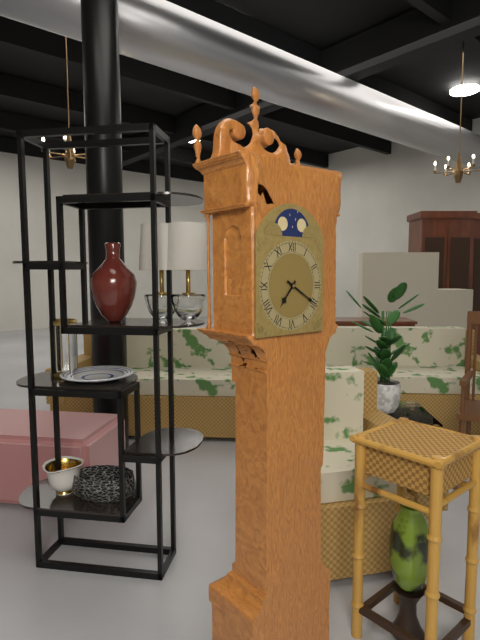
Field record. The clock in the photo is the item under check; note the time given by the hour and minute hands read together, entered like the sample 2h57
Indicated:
7h20
